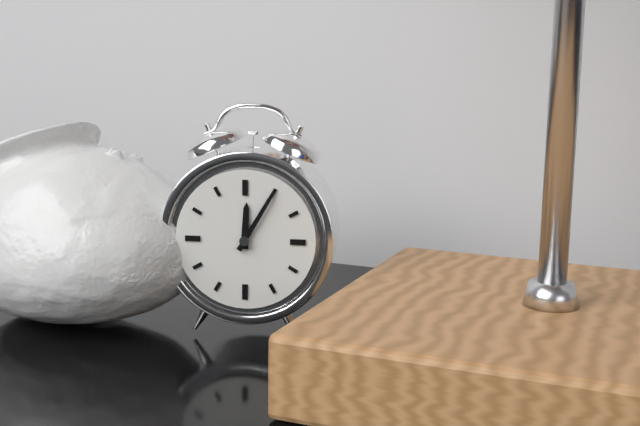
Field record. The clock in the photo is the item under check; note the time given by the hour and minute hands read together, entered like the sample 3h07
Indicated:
12h05
